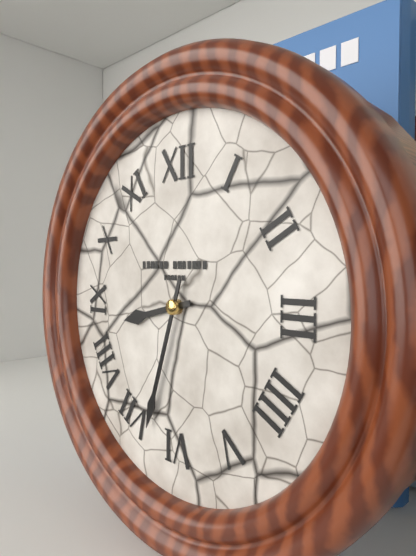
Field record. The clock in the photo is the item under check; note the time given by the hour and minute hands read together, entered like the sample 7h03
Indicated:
8h33
